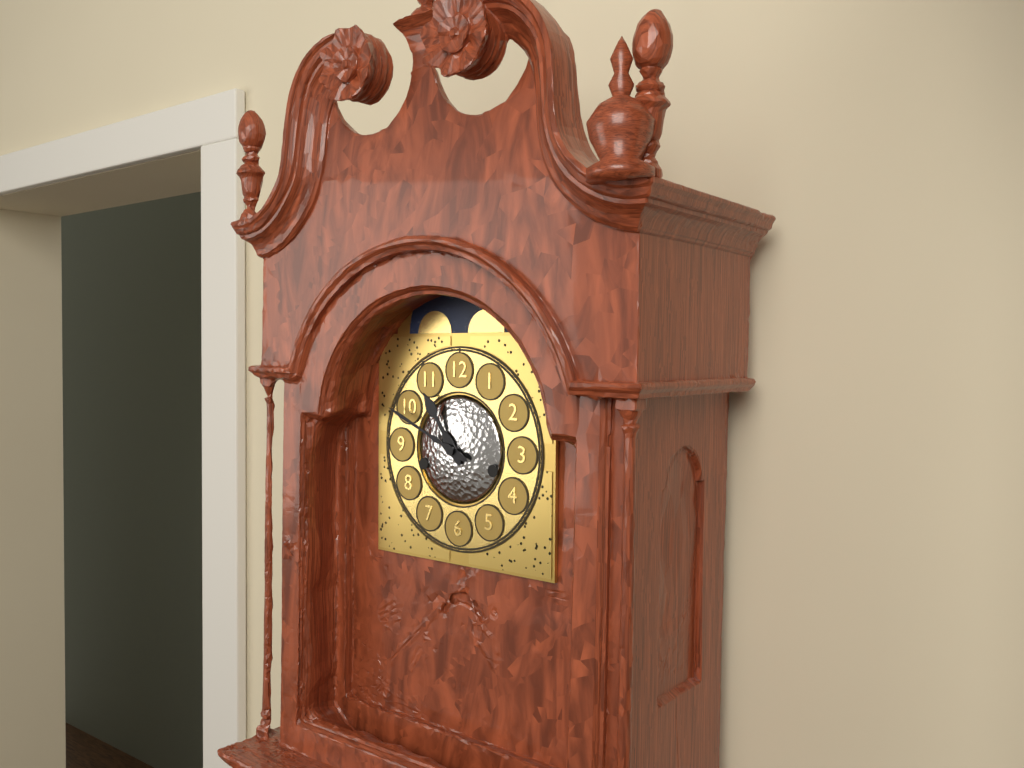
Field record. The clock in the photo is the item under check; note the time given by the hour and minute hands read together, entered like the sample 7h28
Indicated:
10h49
